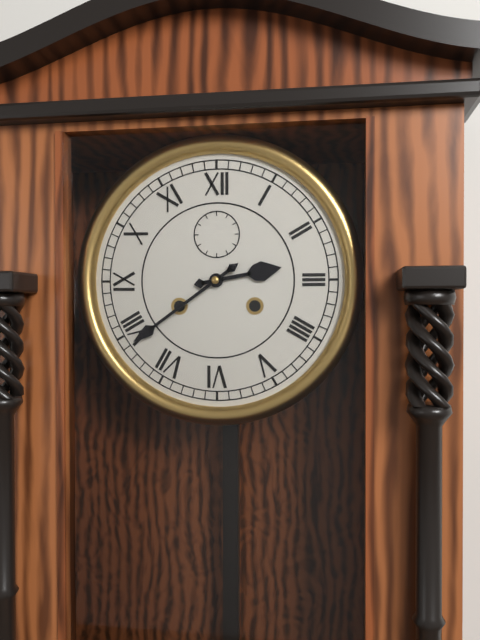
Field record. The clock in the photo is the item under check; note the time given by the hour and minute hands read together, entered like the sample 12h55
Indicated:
2h39
